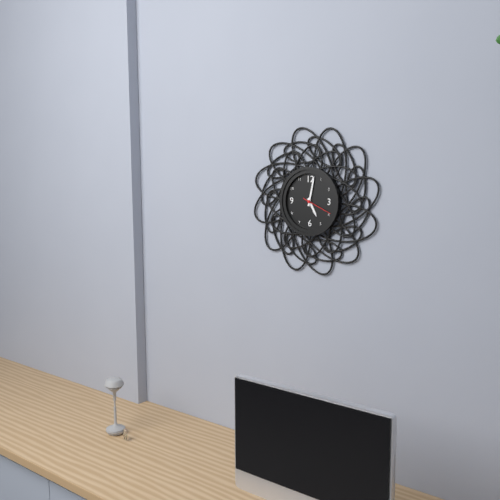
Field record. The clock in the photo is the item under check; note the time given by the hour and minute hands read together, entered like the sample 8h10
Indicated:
5h02
